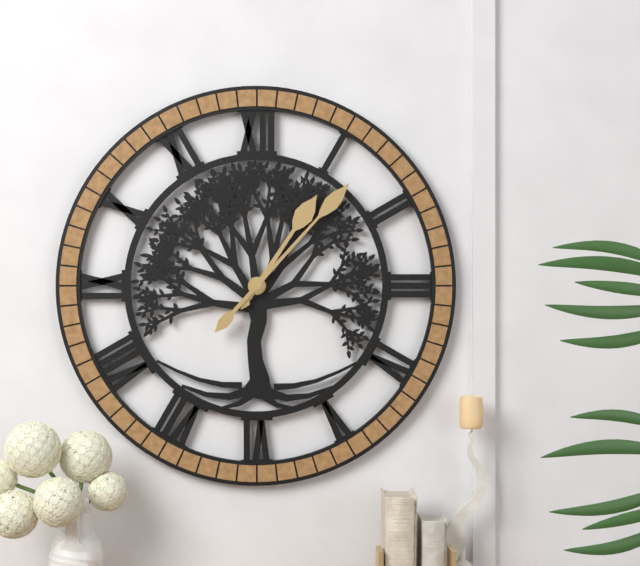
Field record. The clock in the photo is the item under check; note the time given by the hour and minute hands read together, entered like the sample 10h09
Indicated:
1h07
